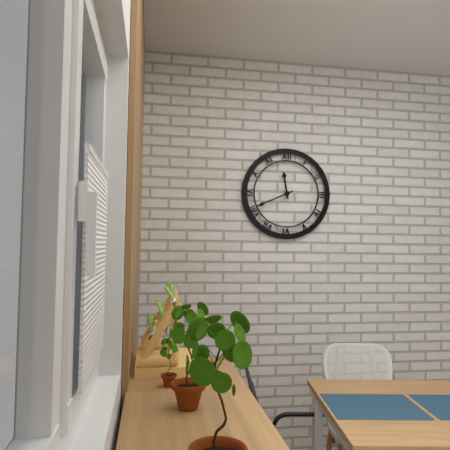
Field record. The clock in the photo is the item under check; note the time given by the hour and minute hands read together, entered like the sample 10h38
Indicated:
11h41
